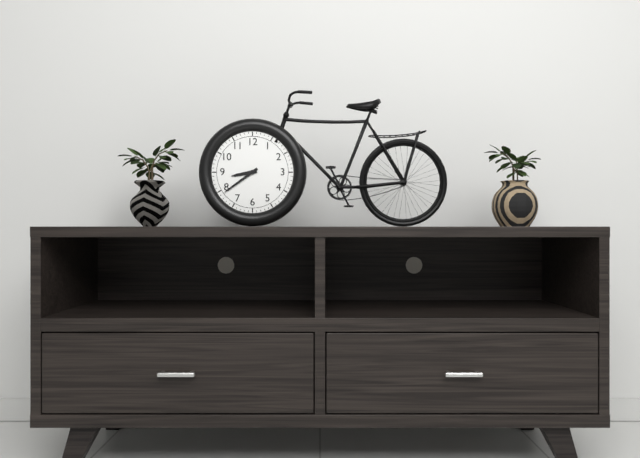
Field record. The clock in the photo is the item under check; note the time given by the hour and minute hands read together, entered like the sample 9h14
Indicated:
8h39
